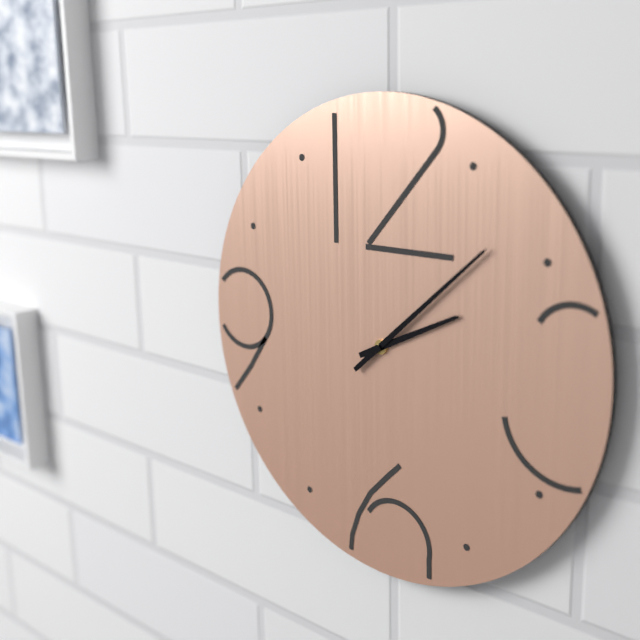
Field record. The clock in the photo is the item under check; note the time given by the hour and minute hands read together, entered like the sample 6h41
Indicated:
2h08
